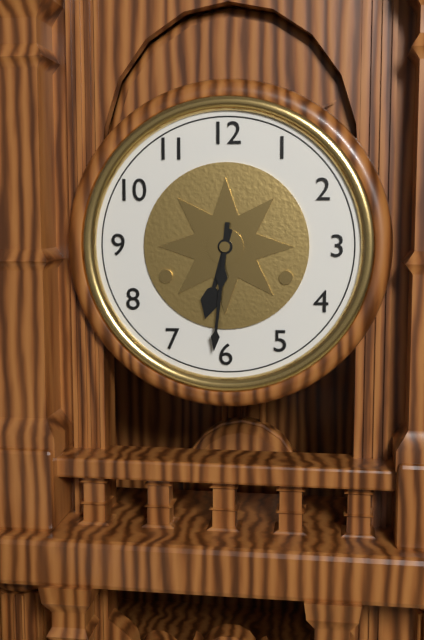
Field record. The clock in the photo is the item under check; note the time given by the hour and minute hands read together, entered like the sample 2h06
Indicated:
6h31
